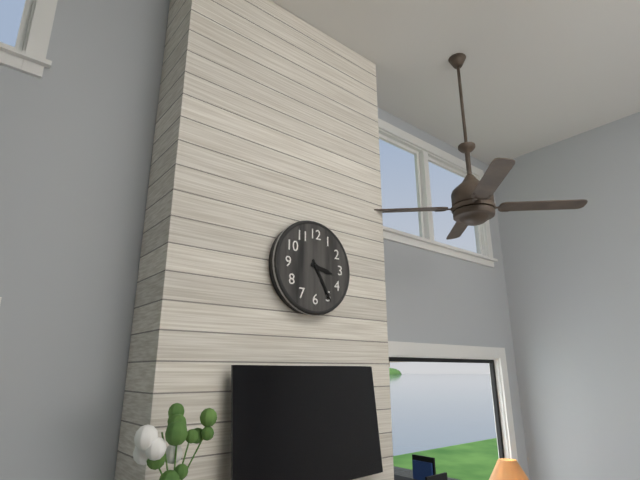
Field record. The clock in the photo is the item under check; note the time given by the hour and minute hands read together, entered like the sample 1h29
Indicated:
3h25
